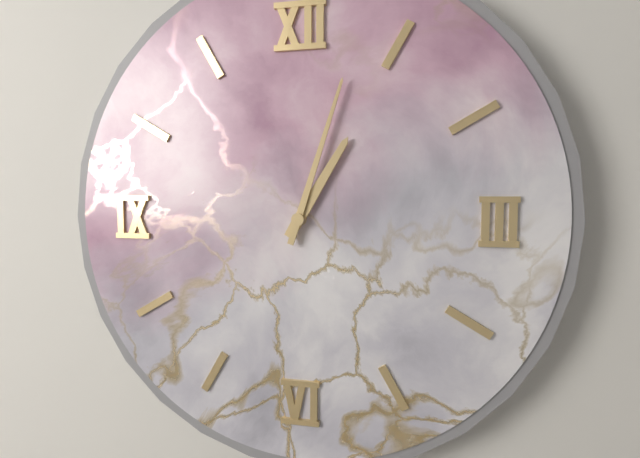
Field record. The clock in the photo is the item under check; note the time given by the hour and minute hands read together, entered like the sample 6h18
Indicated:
1h03
